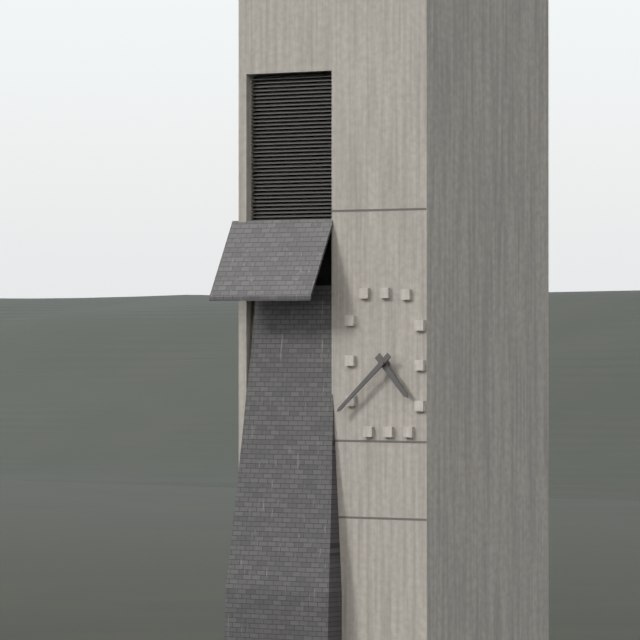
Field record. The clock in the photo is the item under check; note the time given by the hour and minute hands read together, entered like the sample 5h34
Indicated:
4h38
